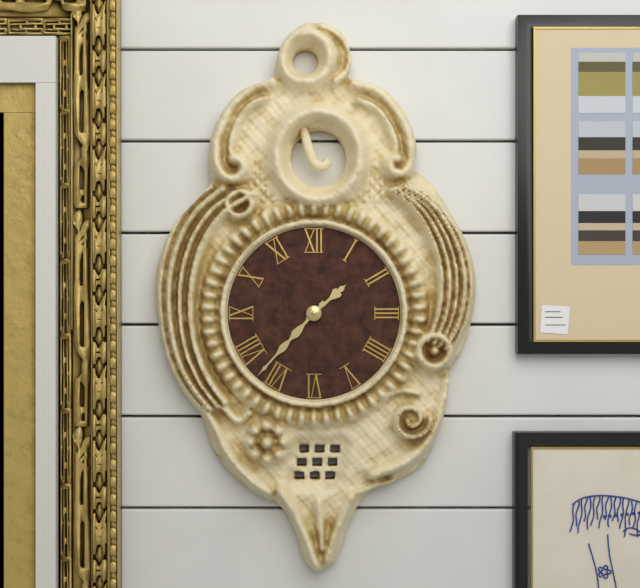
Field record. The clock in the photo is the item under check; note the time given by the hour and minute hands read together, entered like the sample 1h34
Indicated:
1h37
